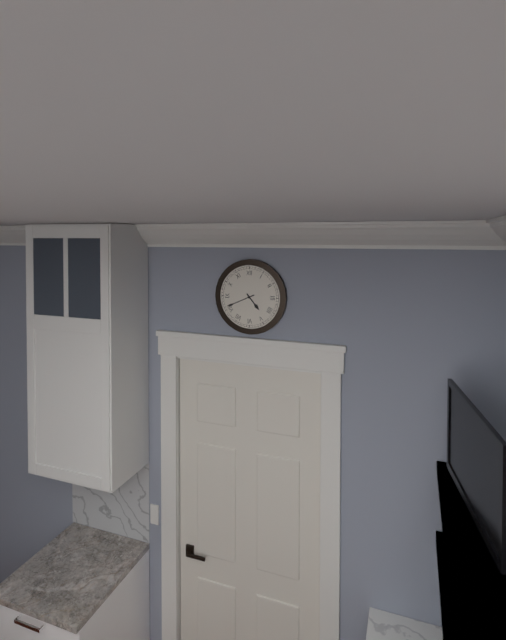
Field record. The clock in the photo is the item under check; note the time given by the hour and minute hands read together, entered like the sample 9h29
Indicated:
4h41
